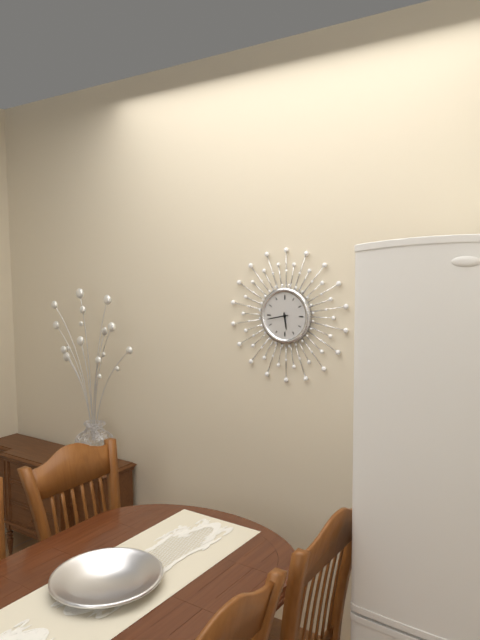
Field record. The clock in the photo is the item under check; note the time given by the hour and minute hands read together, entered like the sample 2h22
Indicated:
5h43
